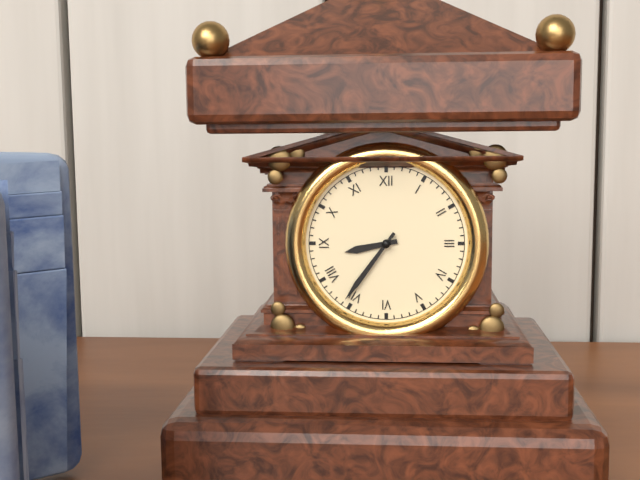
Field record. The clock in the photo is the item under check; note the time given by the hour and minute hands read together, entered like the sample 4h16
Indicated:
8h36
